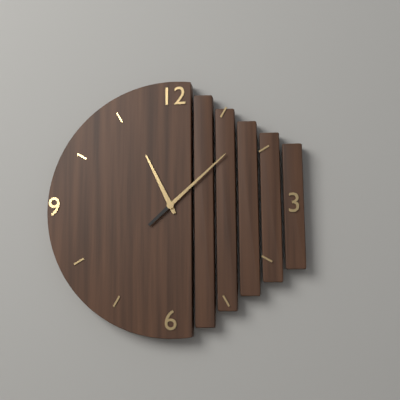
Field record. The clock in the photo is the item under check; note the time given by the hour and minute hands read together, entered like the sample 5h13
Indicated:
11h08
